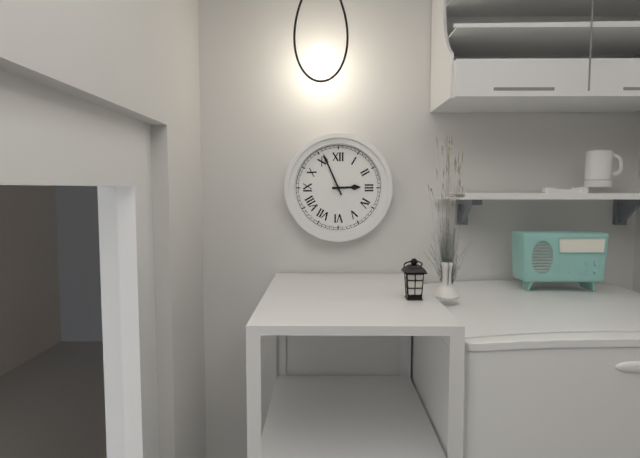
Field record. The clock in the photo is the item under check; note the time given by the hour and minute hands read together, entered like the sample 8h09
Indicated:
2h56
